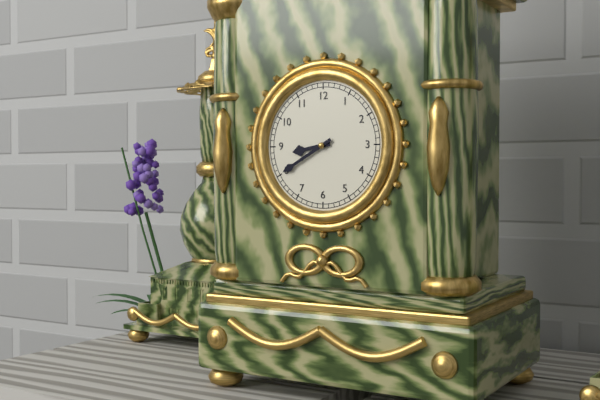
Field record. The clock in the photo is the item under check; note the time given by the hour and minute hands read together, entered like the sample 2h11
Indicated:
8h40
